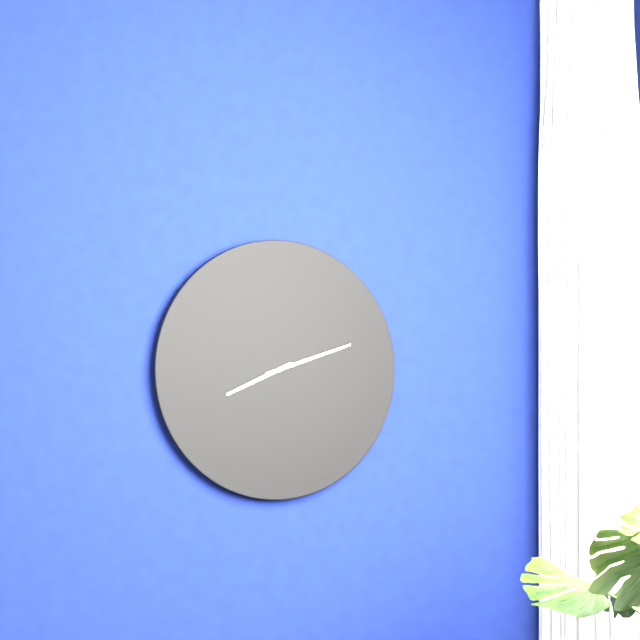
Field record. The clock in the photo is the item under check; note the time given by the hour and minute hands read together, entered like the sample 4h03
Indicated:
8h12
